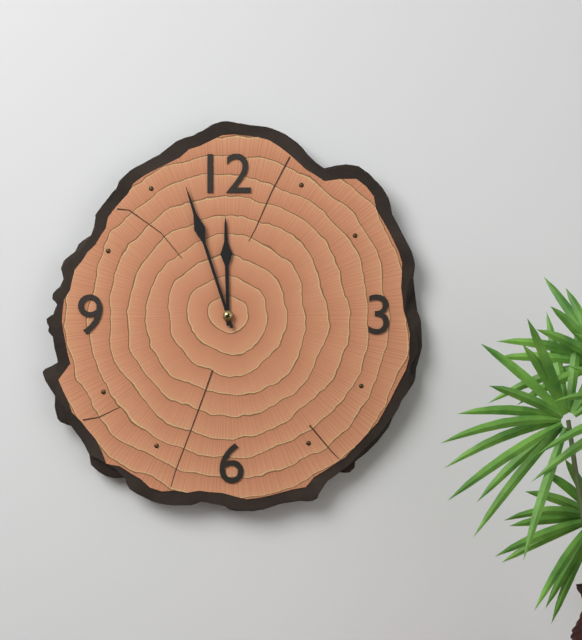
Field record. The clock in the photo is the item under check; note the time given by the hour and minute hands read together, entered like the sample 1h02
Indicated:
11h57
